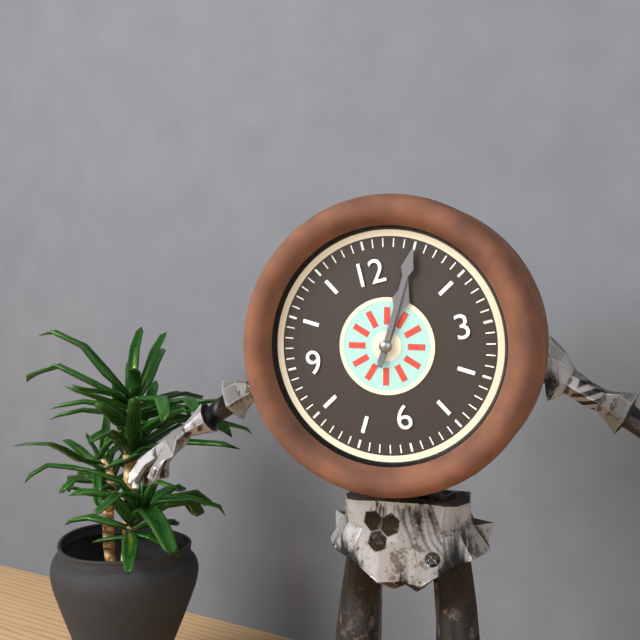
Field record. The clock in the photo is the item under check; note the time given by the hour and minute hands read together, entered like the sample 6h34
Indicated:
1h05
